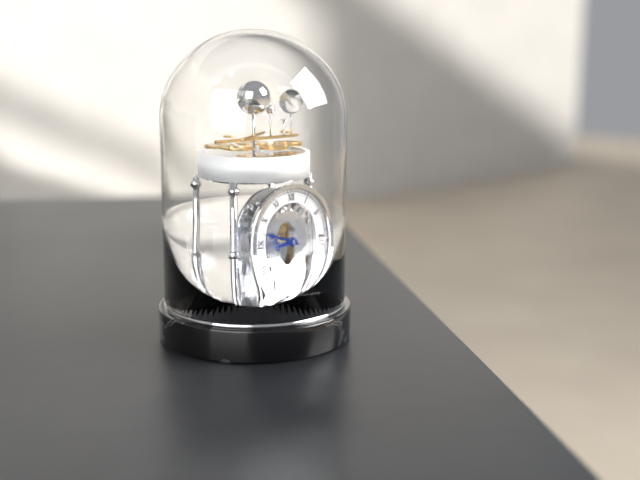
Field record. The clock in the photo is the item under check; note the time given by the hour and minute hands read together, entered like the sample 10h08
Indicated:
8h47
